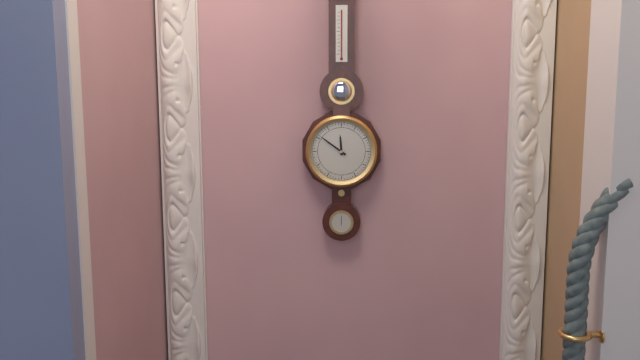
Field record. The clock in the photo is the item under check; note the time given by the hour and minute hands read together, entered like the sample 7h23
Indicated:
11h51
